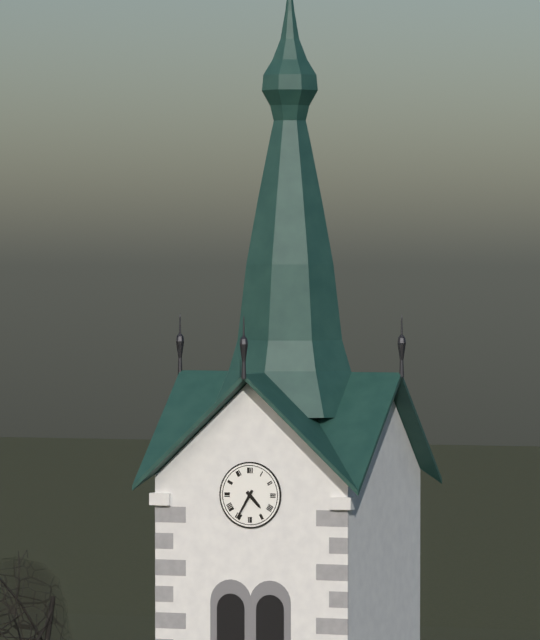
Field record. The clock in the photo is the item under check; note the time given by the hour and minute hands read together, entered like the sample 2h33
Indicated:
4h35
